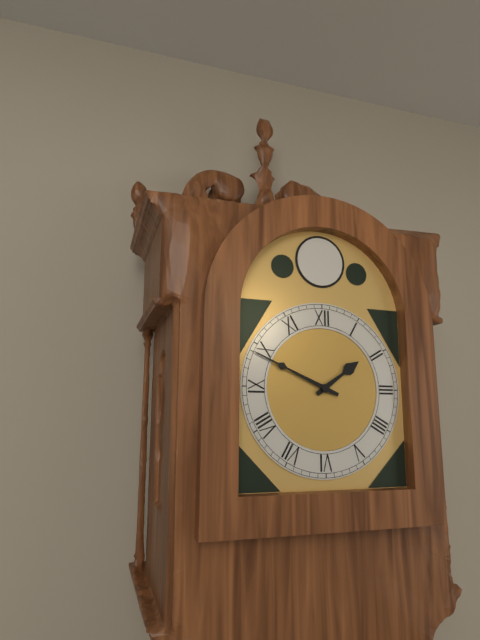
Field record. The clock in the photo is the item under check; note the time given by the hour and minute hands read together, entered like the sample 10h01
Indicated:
1h49
